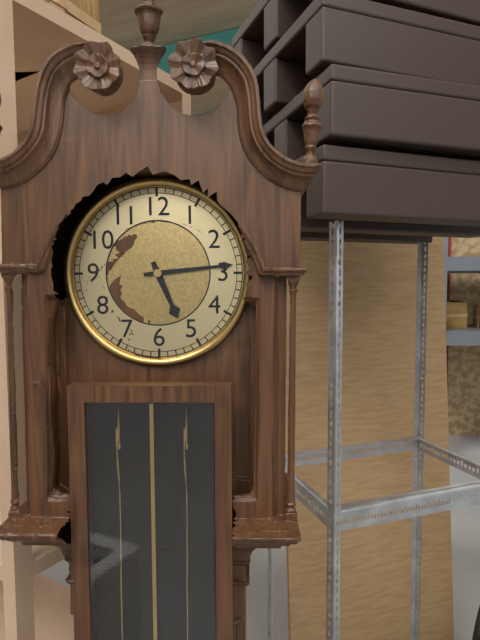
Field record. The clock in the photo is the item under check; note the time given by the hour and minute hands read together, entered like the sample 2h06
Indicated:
5h14
